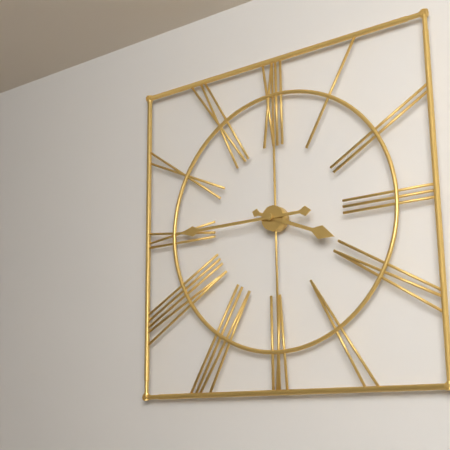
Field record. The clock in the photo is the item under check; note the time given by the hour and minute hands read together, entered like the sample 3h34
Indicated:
3h45
